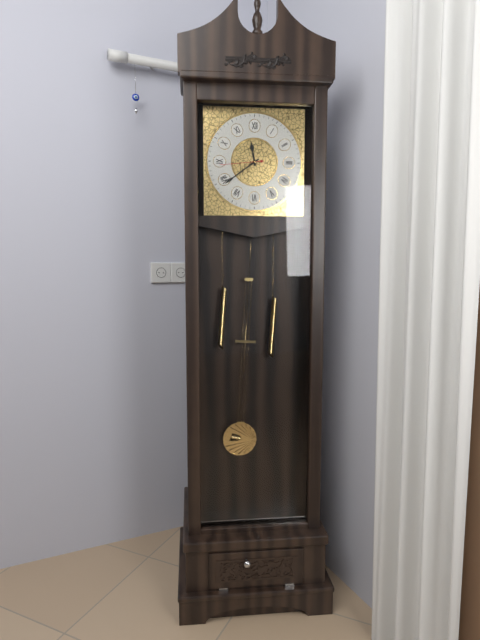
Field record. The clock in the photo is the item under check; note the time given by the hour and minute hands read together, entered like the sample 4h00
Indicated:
11h39
